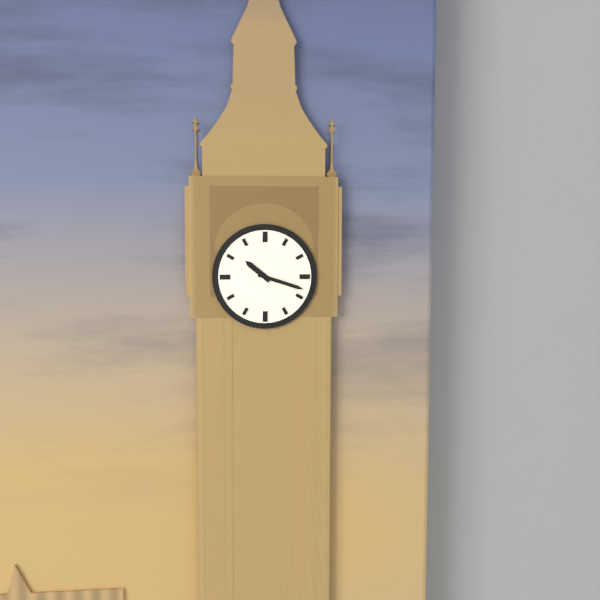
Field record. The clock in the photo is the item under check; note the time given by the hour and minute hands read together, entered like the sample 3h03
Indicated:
10h18
